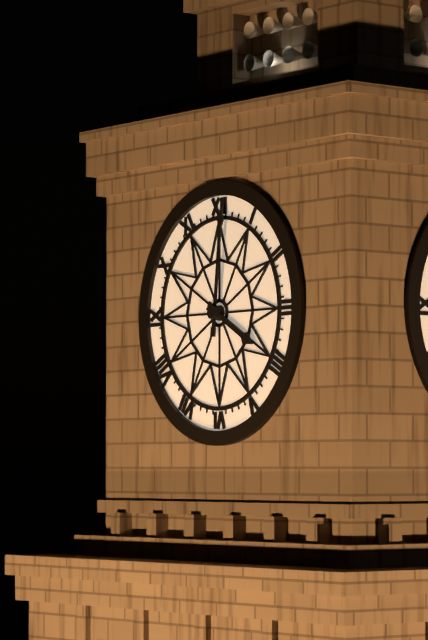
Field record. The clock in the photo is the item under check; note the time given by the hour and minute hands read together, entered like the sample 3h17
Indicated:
4h01
